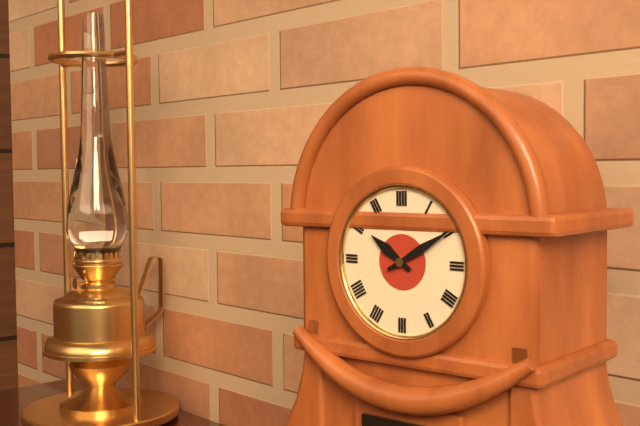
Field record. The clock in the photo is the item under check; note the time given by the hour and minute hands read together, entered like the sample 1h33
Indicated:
10h10
